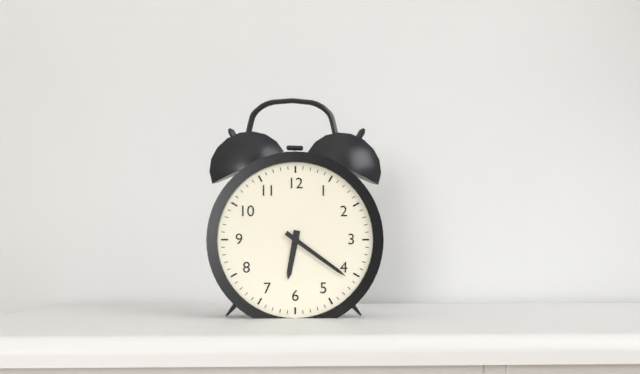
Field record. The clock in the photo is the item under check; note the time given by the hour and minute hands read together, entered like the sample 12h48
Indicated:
6h21
